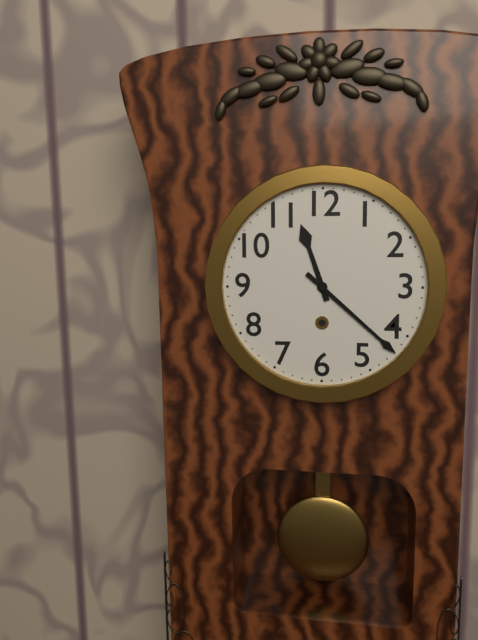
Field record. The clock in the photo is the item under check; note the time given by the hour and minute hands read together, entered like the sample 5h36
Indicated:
11h22
